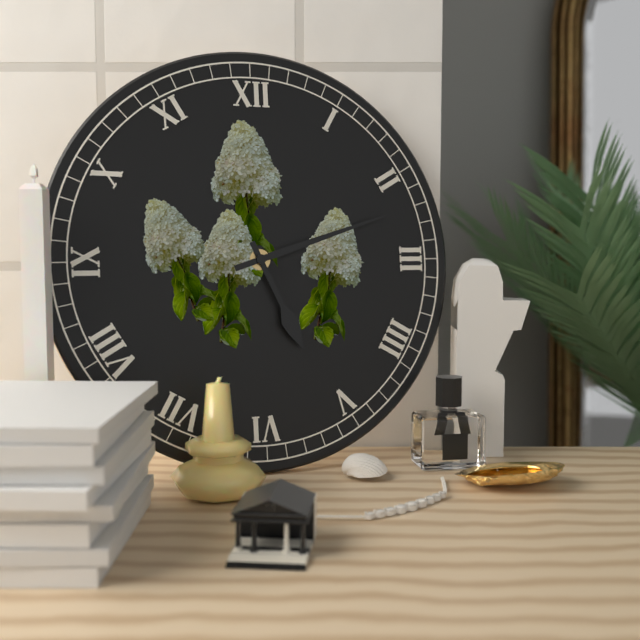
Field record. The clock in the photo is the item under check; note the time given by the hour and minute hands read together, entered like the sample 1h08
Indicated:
5h12
